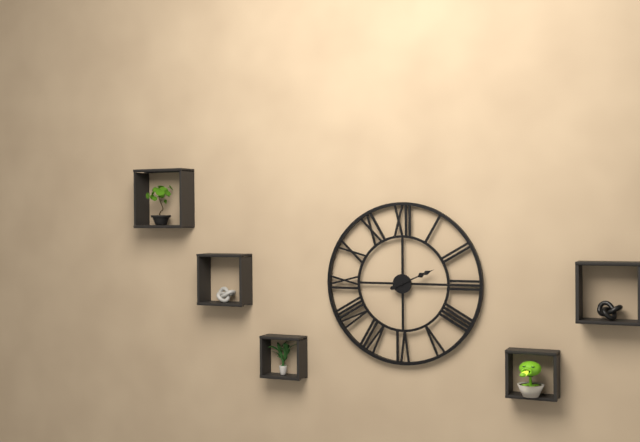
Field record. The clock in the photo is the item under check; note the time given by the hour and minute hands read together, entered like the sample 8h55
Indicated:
2h11
